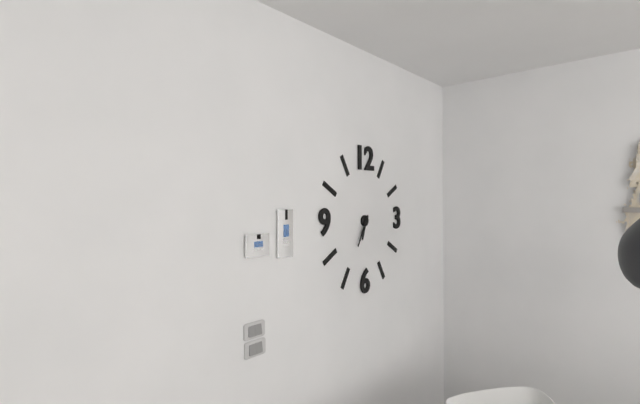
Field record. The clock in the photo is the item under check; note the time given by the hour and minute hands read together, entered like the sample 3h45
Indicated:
6h35
